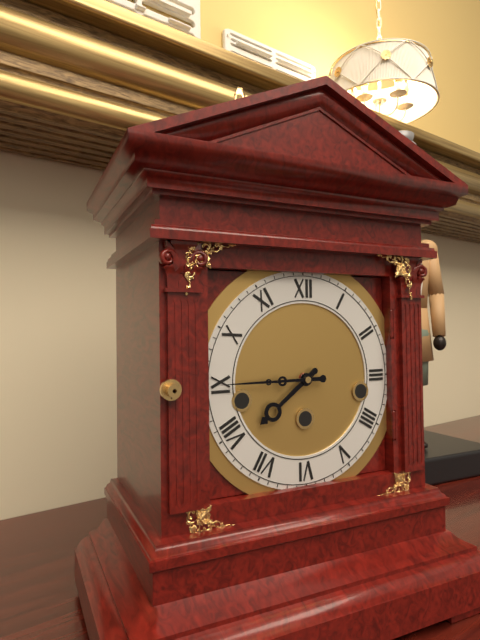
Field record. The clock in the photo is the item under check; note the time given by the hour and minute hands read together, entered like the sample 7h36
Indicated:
7h45
